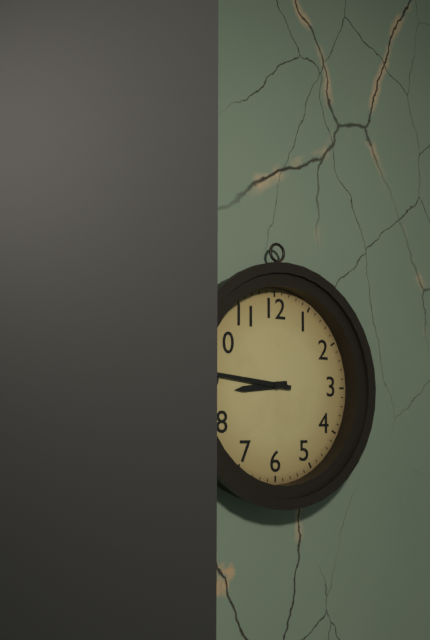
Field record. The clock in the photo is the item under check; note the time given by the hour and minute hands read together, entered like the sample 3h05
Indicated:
8h46
